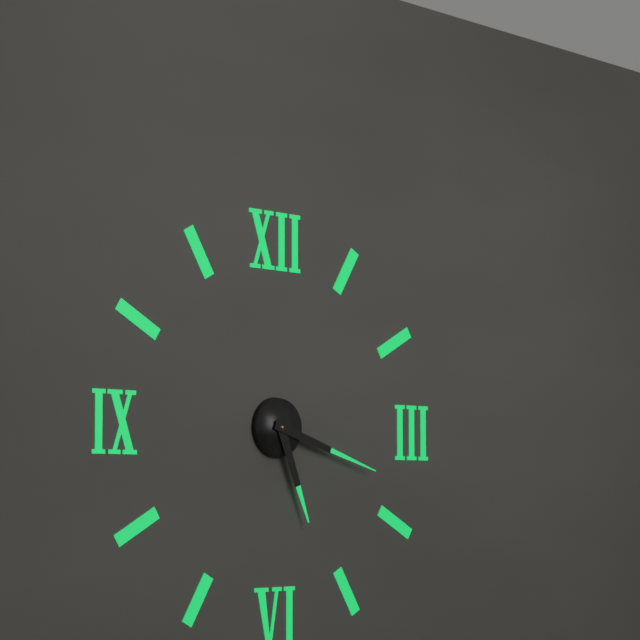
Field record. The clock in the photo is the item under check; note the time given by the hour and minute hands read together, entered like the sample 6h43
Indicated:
5h18
